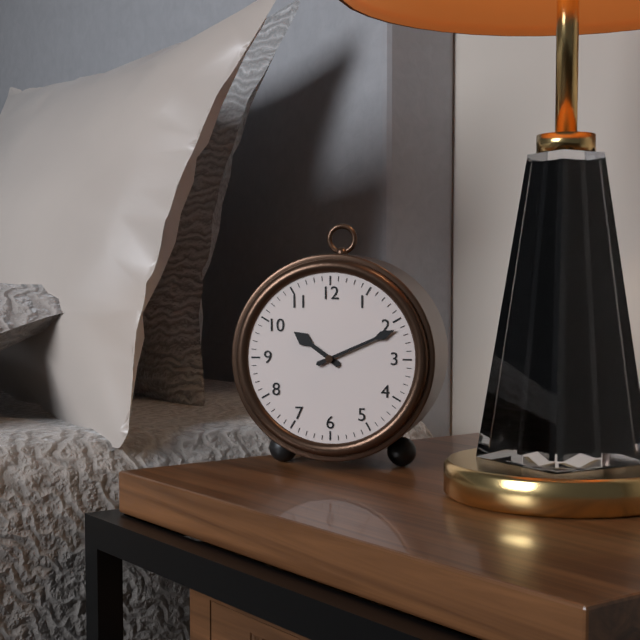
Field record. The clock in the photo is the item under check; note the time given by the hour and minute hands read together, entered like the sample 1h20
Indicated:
10h11
